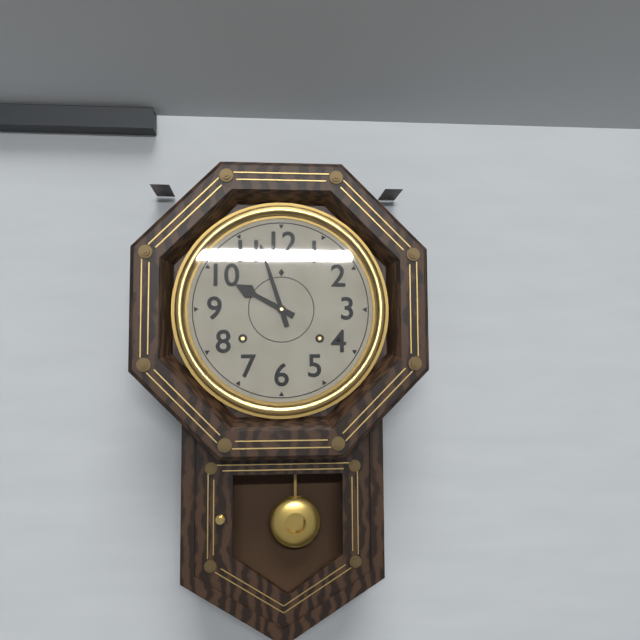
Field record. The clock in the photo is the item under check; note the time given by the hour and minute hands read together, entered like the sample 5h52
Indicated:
9h57
